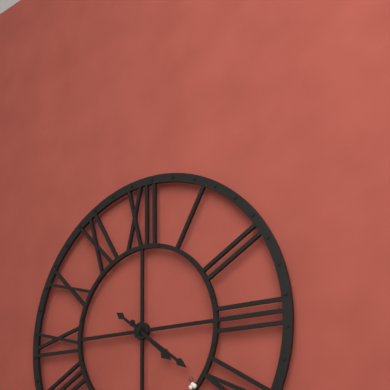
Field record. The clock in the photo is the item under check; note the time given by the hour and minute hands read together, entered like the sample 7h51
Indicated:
4h21
